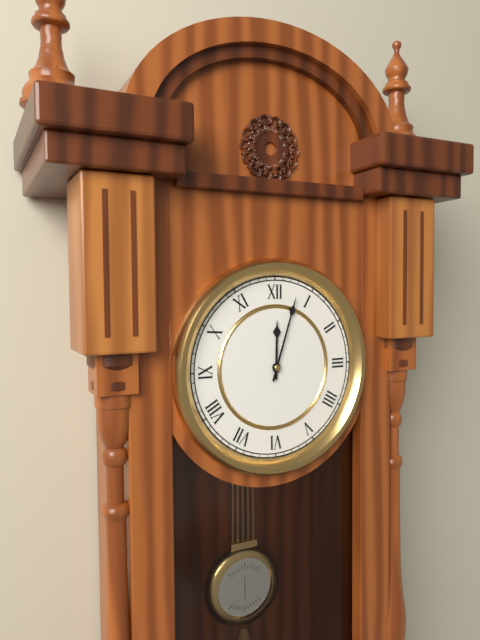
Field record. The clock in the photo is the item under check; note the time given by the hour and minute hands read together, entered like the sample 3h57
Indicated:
12h03
